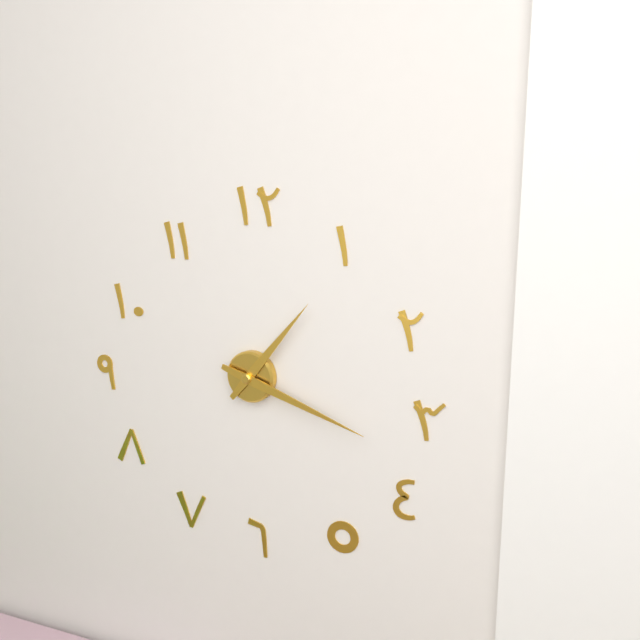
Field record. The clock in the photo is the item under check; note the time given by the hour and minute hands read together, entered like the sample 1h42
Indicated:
1h18
